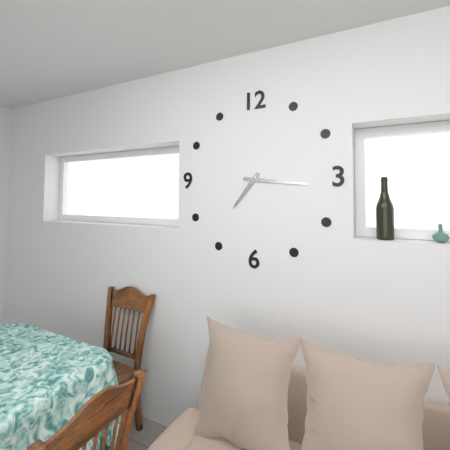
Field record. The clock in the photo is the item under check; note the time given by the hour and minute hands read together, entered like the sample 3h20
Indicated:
7h16
